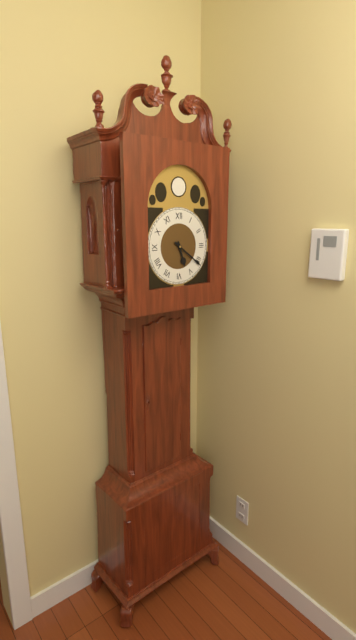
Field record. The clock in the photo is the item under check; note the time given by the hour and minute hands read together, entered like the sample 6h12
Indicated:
5h21
